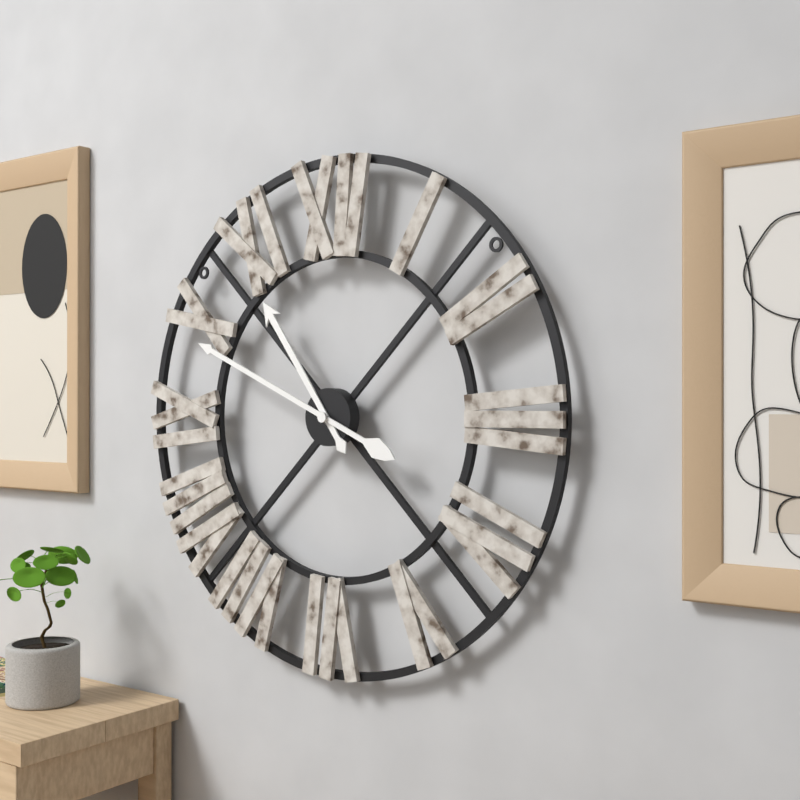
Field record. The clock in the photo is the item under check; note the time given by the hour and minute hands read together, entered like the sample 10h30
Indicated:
10h49
